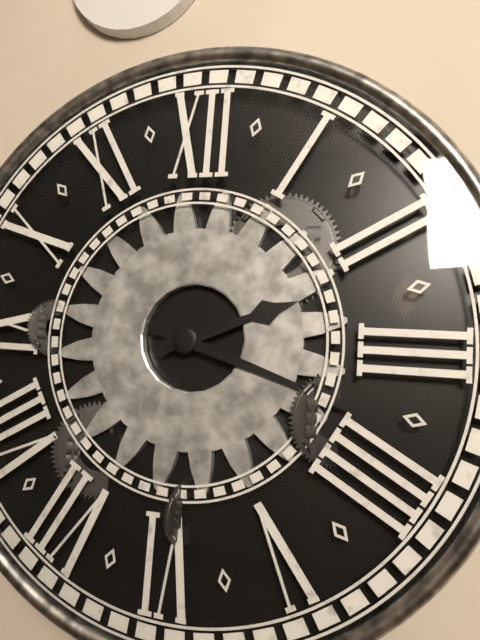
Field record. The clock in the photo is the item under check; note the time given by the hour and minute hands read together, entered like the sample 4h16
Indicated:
2h18
